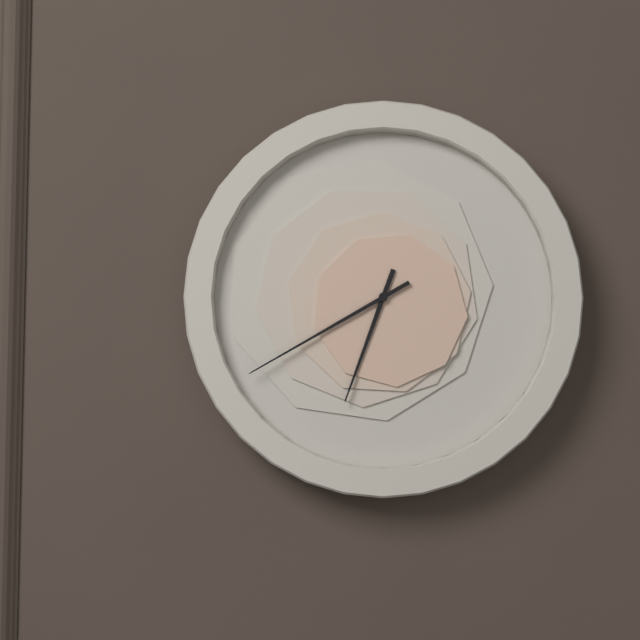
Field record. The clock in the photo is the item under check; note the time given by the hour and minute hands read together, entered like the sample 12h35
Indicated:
6h40
